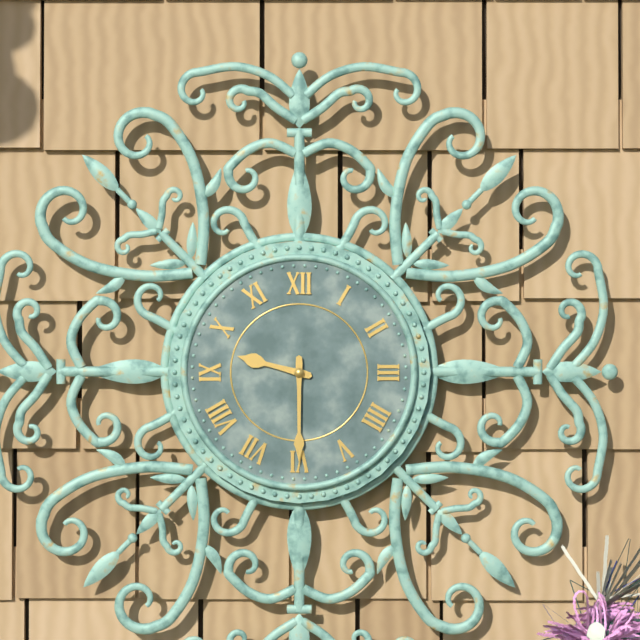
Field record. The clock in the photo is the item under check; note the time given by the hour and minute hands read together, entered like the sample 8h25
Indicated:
9h30
